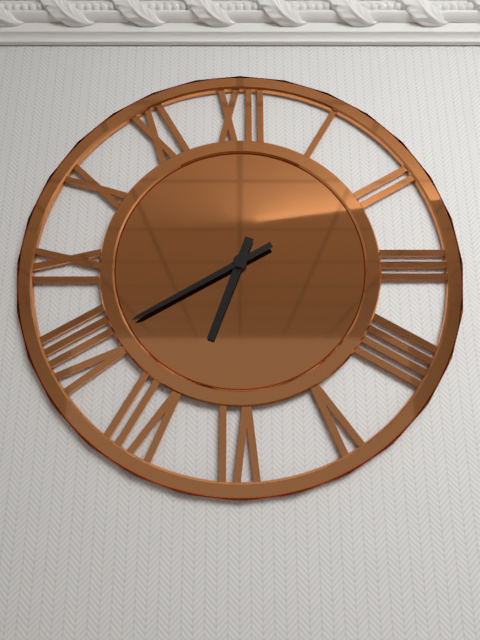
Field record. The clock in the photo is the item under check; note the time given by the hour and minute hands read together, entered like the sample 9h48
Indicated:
6h40
